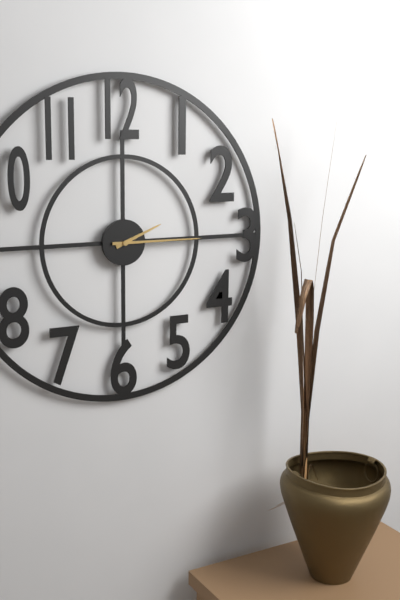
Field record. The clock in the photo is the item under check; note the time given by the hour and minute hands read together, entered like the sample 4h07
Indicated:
2h15
